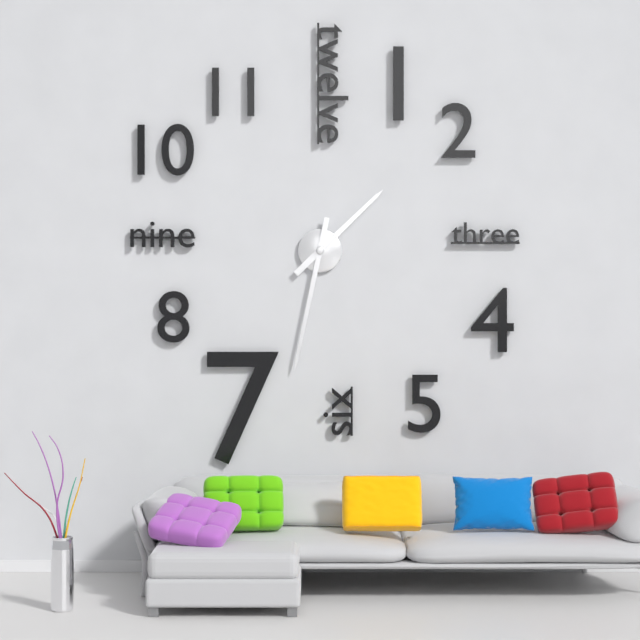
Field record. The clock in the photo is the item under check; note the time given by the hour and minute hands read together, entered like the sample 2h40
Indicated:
1h32
